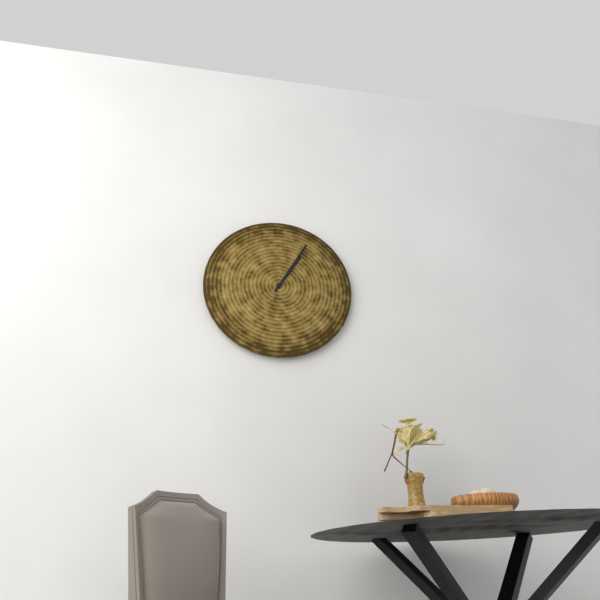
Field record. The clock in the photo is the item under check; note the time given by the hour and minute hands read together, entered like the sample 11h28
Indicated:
1h05
